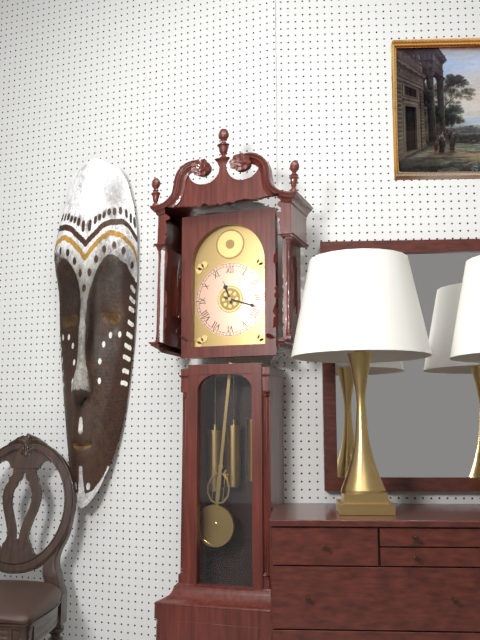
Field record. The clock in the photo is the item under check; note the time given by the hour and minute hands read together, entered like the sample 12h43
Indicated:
11h18
